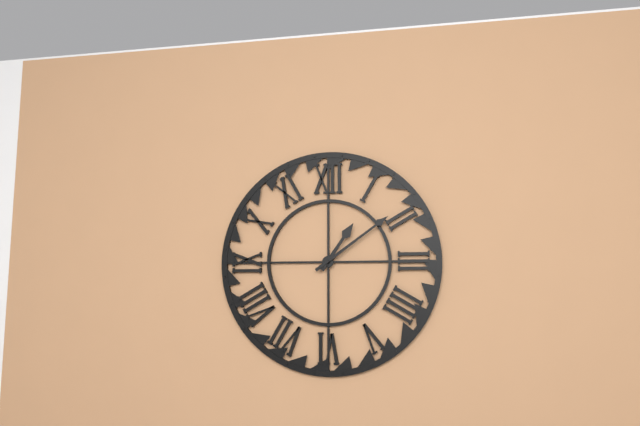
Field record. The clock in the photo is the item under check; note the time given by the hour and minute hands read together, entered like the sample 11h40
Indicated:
1h09
